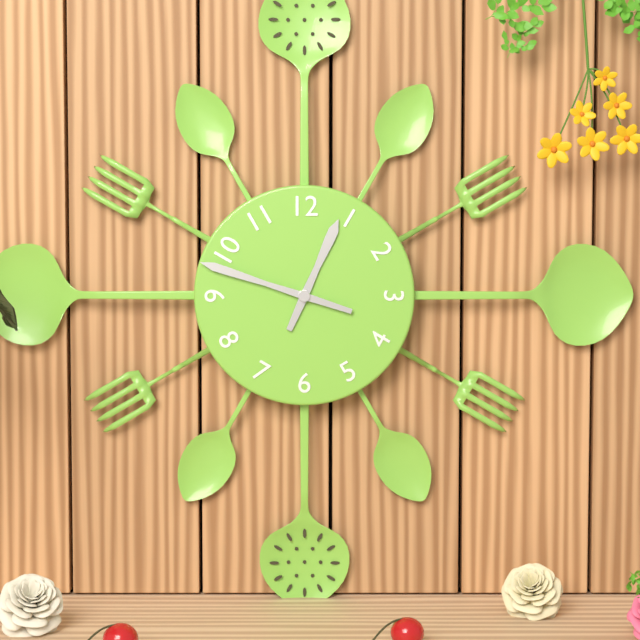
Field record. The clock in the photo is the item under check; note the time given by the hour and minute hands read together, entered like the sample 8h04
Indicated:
12h48
